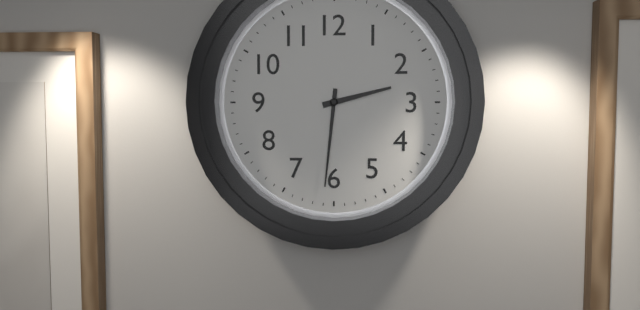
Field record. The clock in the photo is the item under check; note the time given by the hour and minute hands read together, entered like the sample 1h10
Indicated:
2h31
